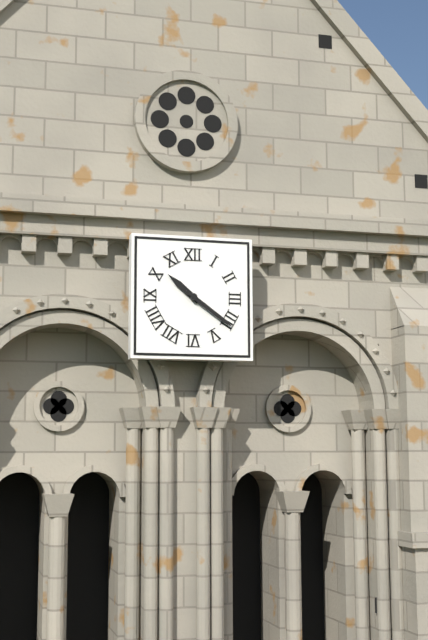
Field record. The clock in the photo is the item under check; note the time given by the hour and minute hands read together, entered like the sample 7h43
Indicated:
10h21
